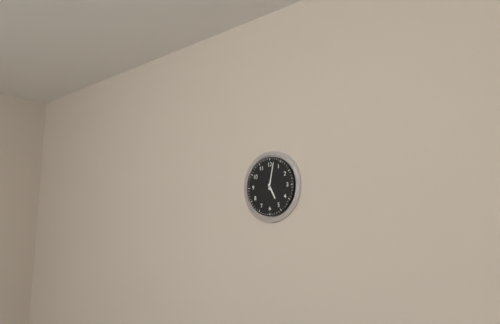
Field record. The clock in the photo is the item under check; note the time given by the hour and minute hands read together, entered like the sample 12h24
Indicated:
5h02
